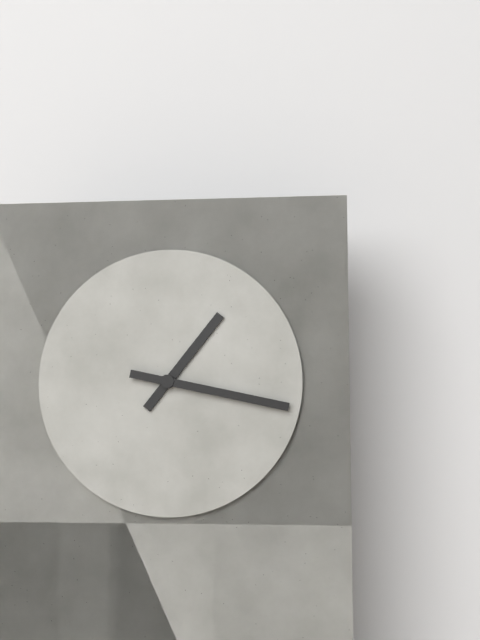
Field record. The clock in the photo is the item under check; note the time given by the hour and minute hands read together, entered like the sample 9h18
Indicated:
1h17
